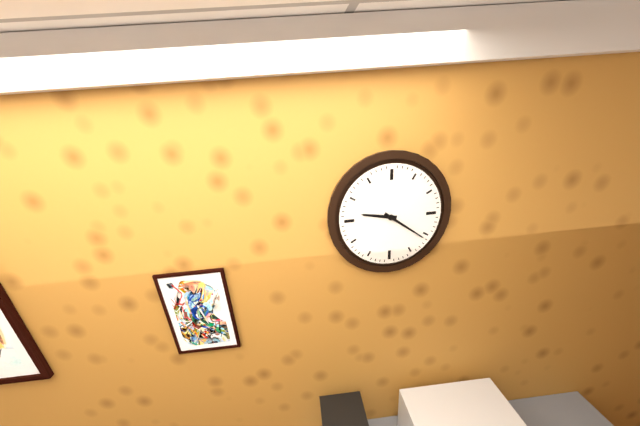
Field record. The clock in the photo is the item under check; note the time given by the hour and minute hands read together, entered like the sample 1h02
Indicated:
9h21
